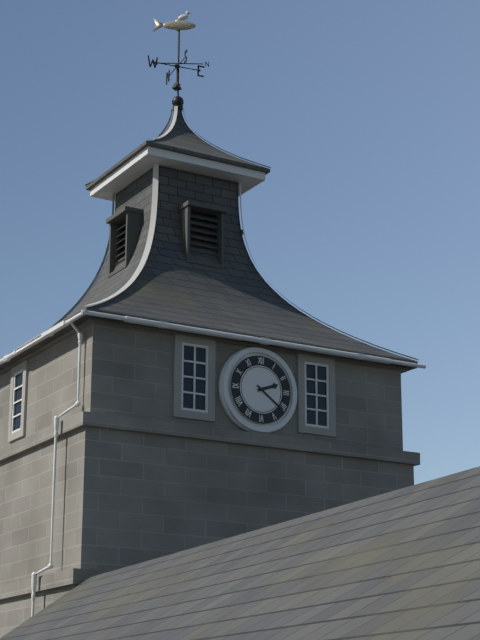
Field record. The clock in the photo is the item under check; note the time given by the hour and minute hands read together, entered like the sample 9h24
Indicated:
2h21
